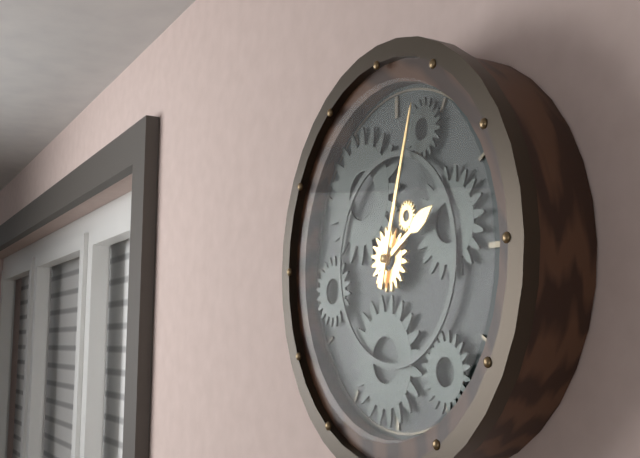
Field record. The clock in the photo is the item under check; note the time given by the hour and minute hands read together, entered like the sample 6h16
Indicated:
2h03
